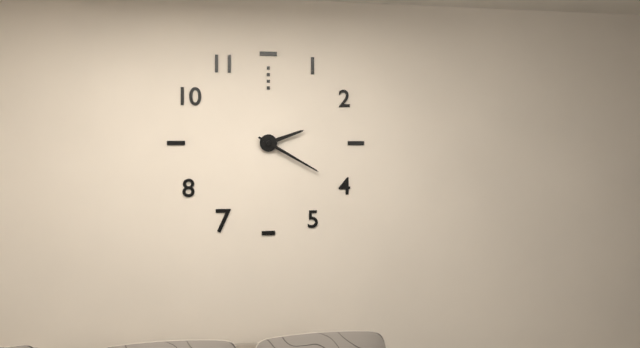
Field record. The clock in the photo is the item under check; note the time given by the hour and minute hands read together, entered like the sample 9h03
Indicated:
2h20
